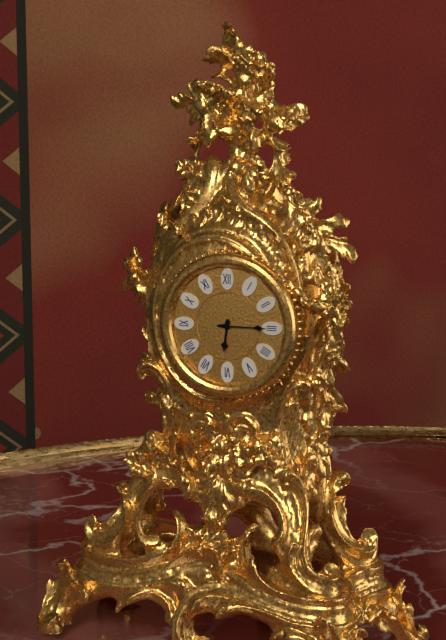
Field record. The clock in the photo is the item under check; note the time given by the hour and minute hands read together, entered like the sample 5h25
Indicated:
6h15
